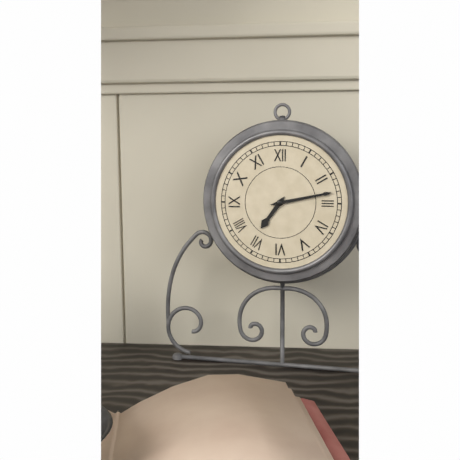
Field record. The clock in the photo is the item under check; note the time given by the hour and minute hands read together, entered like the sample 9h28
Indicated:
7h13
